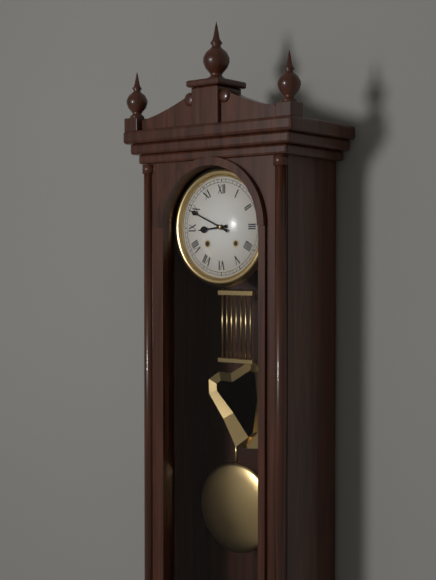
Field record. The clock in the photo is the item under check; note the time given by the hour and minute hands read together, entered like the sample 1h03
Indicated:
8h49
